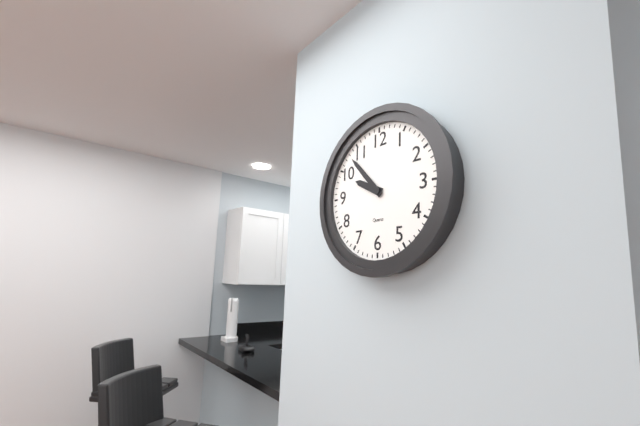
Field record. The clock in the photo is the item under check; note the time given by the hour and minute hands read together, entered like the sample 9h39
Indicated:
9h53
